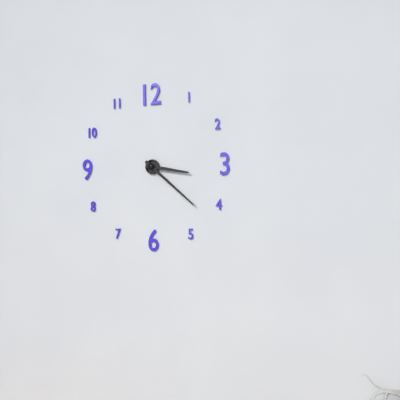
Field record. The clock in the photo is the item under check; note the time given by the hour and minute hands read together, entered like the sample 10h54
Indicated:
3h22
